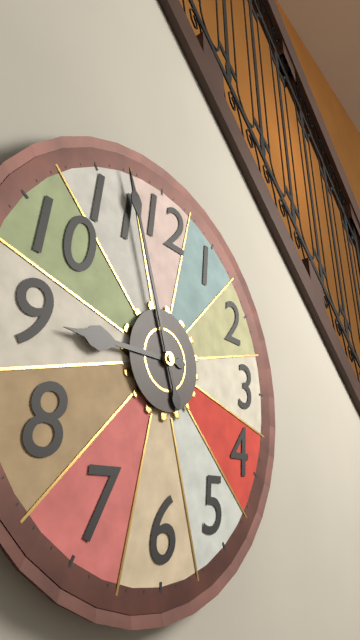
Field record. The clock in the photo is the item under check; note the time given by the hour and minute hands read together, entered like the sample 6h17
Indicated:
8h57
